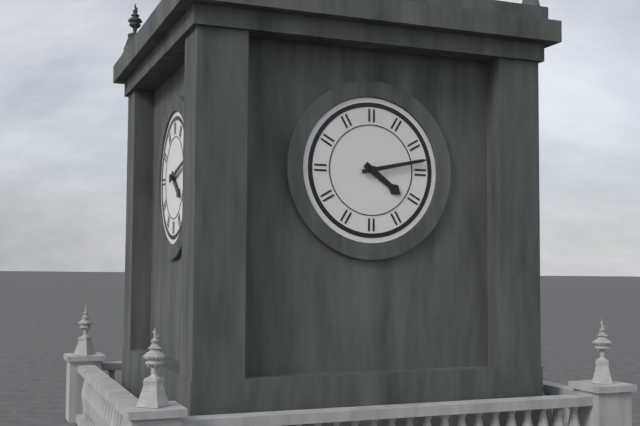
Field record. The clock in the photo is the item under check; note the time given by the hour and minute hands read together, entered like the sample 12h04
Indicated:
4h13
